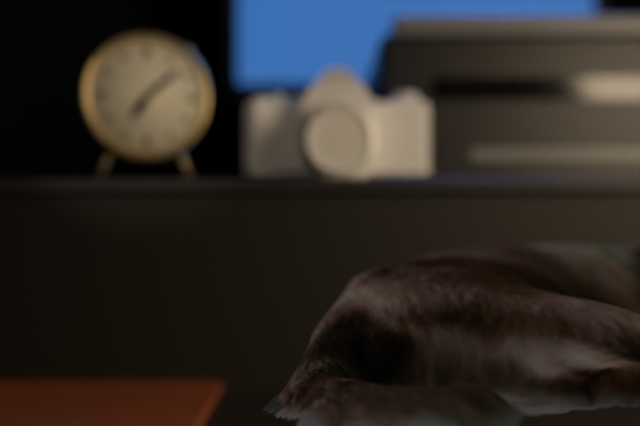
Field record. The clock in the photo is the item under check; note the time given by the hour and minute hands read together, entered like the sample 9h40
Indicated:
7h08
